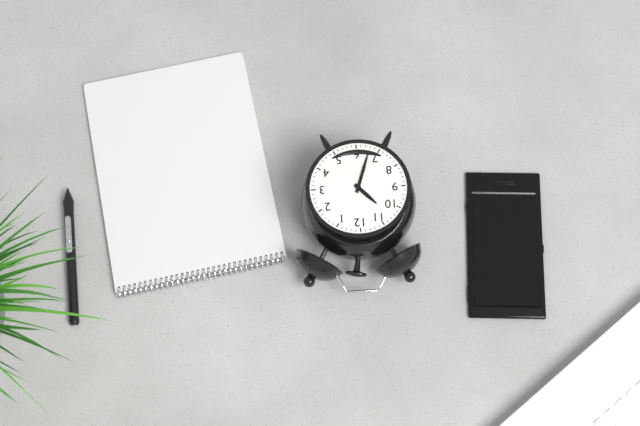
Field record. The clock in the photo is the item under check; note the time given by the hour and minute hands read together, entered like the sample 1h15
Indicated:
10h33
